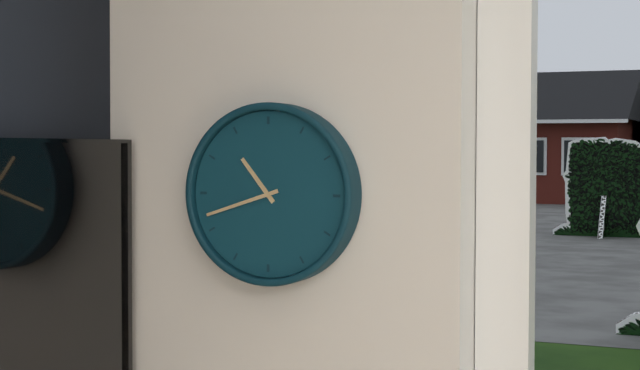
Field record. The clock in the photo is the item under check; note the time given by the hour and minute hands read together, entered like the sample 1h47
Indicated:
10h42
